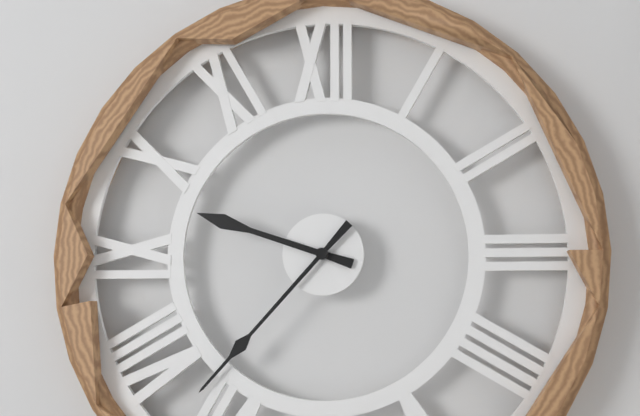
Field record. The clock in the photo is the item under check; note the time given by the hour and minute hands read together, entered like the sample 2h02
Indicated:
9h37
